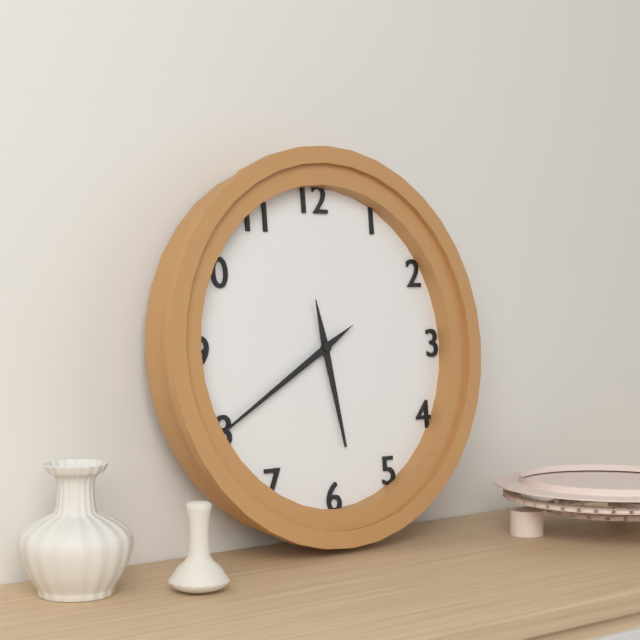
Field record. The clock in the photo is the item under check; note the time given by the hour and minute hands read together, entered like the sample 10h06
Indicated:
5h40
